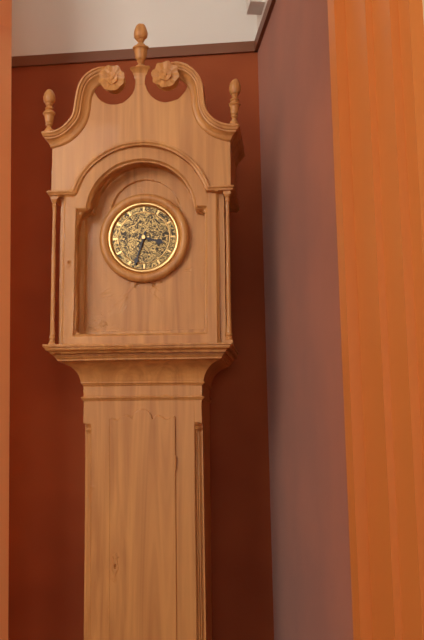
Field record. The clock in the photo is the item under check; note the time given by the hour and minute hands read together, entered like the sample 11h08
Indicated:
3h33
